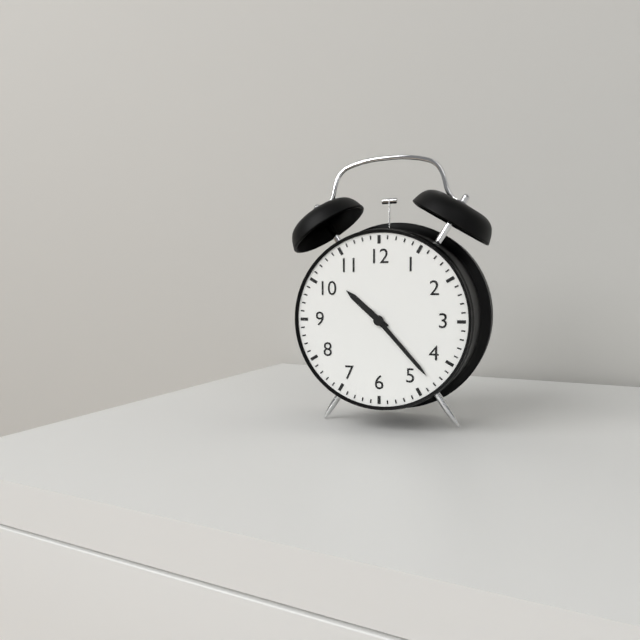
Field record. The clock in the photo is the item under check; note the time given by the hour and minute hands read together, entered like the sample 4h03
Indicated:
10h23
